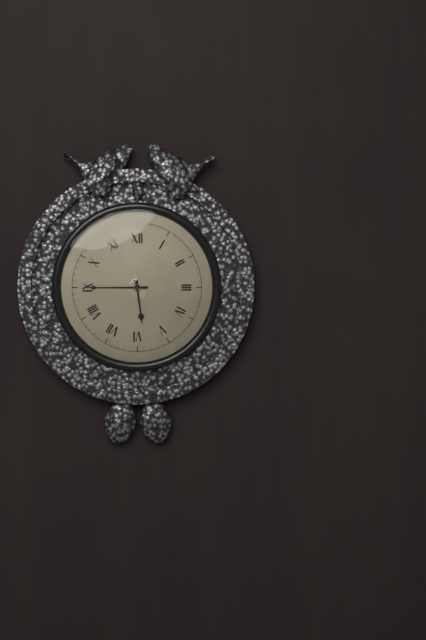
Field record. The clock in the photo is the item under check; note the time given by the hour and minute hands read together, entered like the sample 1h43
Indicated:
5h45
